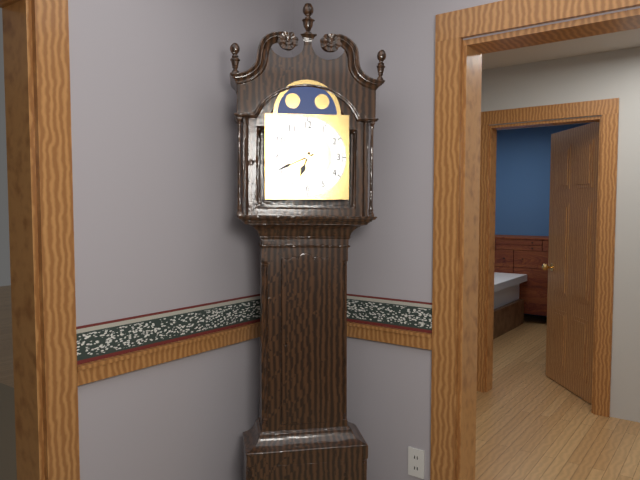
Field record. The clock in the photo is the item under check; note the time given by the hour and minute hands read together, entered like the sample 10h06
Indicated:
6h41
